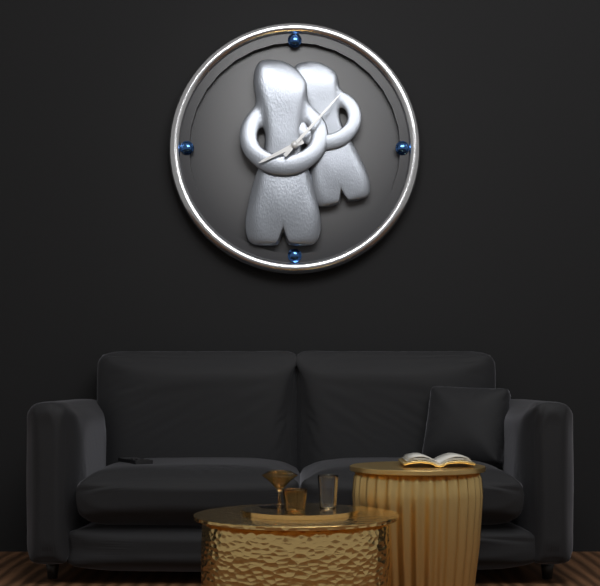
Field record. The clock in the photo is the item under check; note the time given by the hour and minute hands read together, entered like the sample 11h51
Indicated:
8h07
